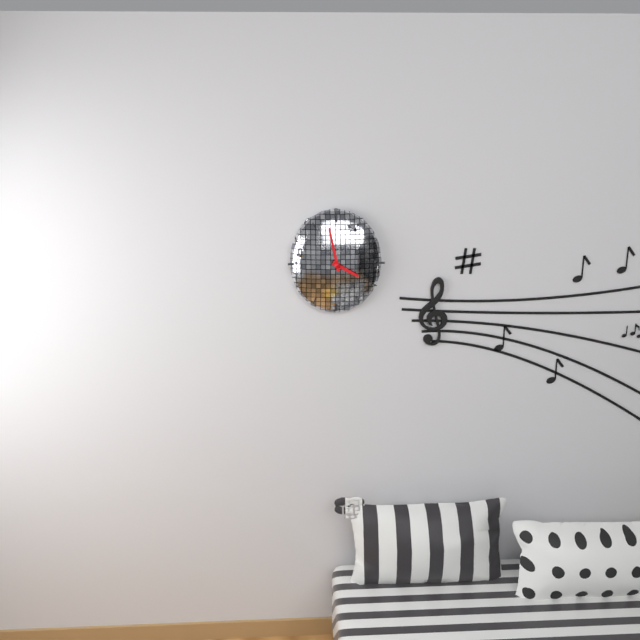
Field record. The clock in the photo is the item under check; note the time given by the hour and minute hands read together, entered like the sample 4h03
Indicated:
3h58
